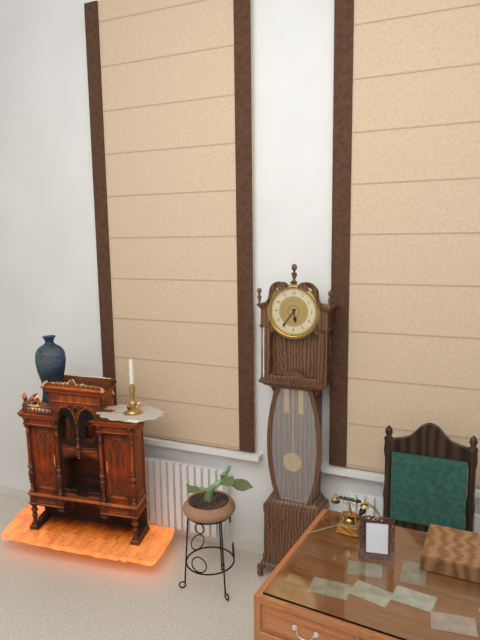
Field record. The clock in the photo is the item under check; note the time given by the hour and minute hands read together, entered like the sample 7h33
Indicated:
5h36
